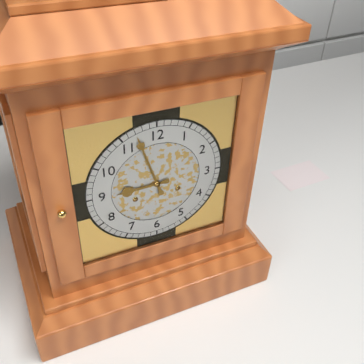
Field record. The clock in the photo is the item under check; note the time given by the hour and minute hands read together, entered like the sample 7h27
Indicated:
8h57
